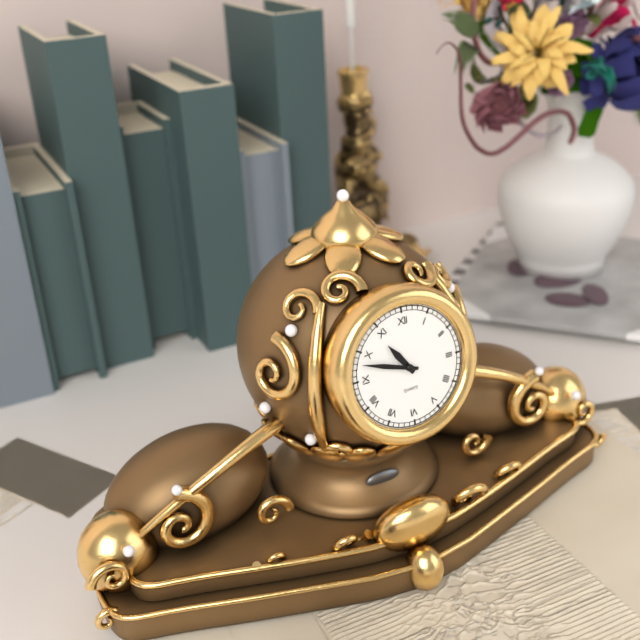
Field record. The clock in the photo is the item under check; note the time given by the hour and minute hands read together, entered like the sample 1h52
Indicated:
10h48
